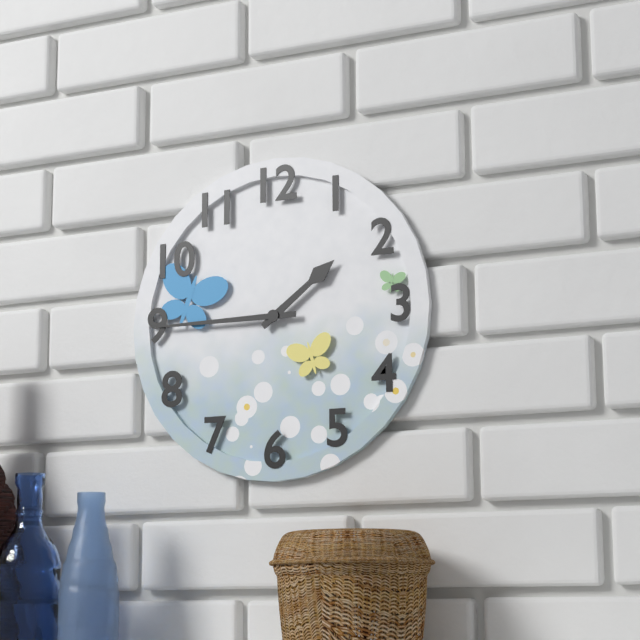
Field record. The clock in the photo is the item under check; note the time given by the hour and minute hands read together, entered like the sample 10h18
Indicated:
1h45
